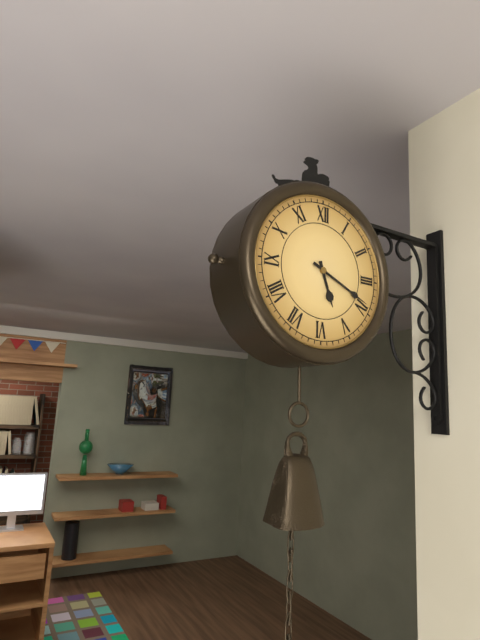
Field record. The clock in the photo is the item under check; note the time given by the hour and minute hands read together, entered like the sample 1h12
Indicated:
5h19
